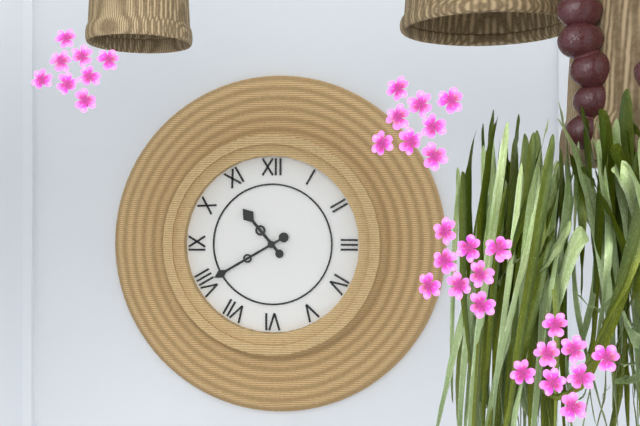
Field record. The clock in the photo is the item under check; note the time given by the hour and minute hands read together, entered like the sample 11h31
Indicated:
10h40
